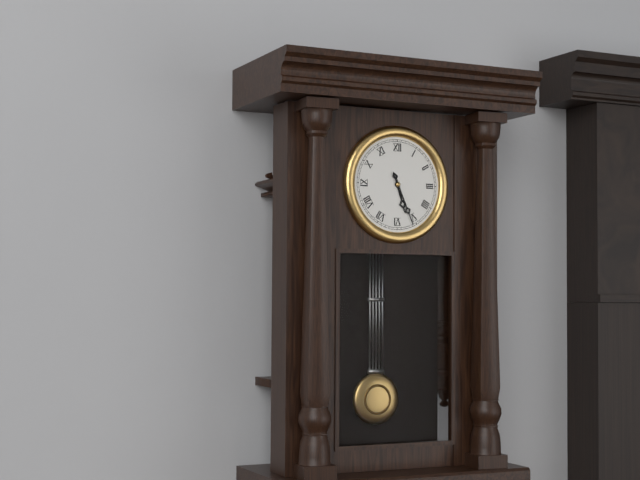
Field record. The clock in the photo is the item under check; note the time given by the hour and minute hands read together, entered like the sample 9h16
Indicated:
5h26
